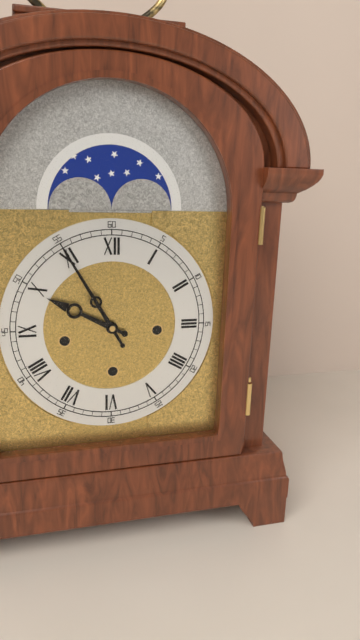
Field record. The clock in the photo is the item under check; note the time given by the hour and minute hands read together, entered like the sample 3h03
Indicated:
9h55
